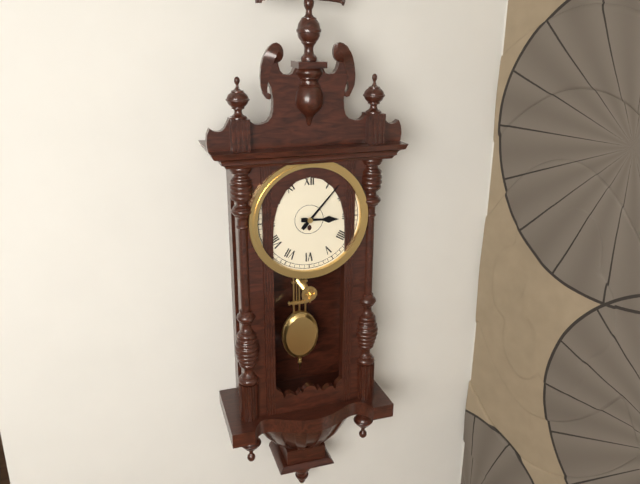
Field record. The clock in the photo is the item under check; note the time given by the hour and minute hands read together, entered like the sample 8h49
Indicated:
3h07
